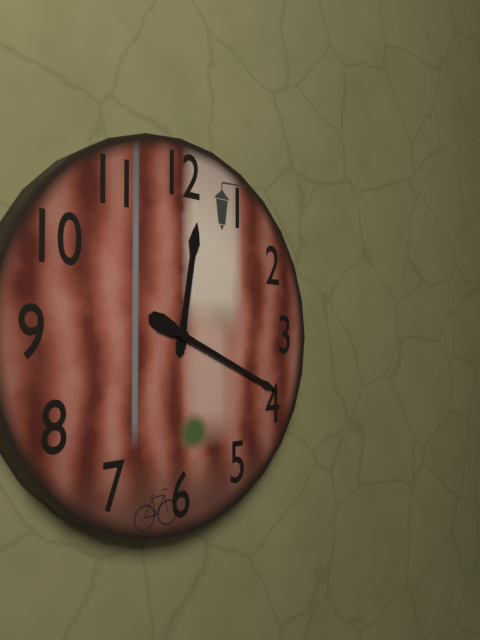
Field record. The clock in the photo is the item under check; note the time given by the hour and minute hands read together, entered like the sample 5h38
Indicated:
12h19
